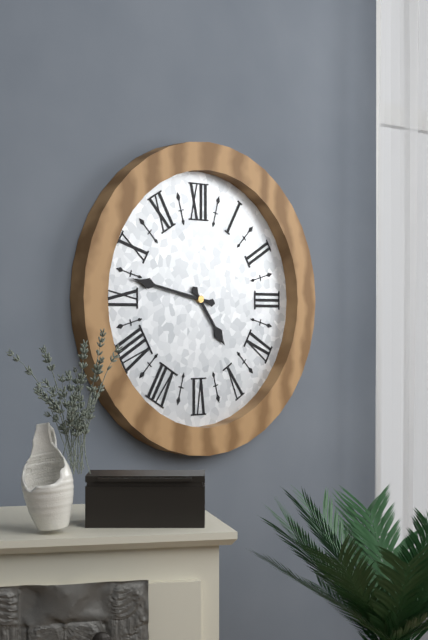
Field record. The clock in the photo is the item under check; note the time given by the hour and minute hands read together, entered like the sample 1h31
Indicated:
4h47
